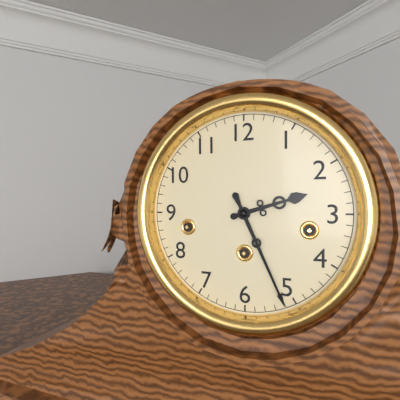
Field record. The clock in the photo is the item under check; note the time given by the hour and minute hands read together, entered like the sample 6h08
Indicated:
2h26
